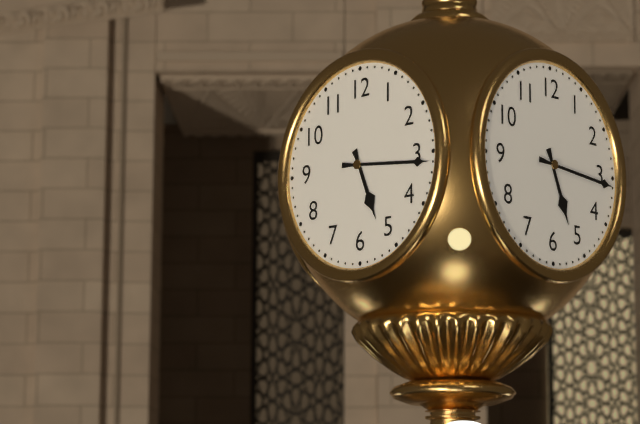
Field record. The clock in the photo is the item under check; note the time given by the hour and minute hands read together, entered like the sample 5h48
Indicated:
5h16
